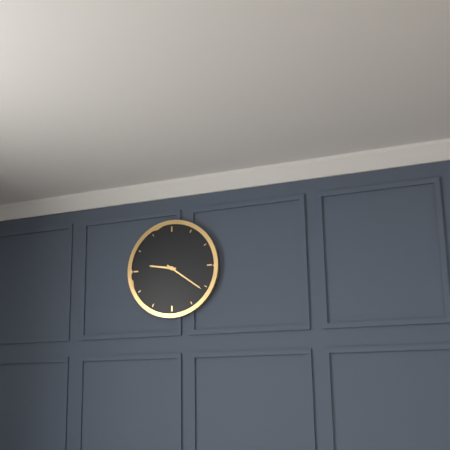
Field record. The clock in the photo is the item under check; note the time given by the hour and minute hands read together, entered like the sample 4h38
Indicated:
9h21
